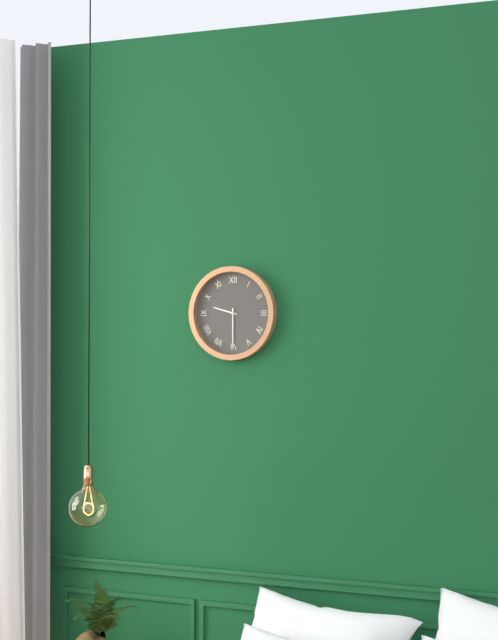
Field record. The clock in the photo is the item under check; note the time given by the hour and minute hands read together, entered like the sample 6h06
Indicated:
9h30
